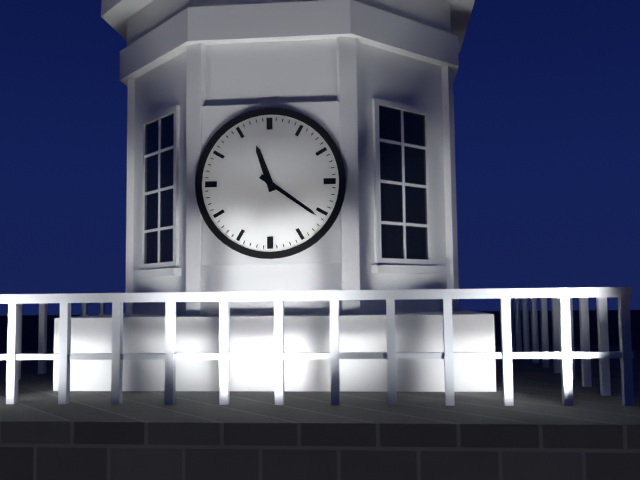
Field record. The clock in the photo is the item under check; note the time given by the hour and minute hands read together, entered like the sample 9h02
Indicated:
11h21
